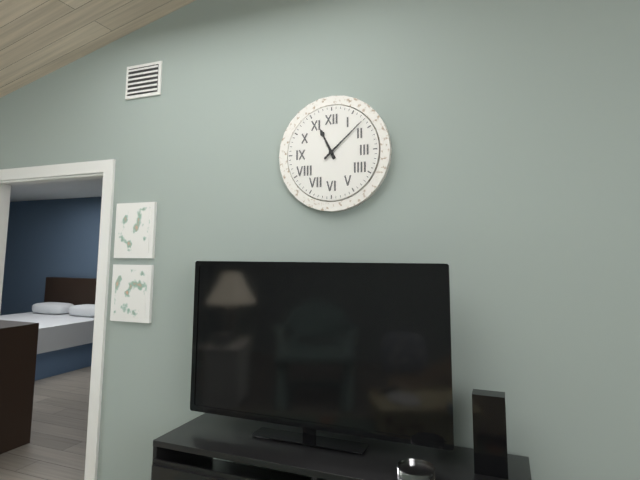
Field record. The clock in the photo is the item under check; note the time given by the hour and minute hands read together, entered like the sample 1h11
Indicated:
11h08
